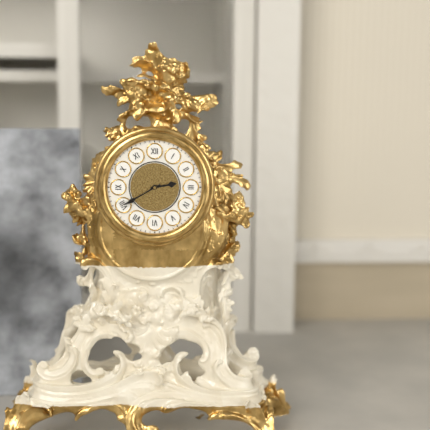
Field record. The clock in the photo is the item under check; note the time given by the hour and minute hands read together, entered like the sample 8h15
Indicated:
2h40
